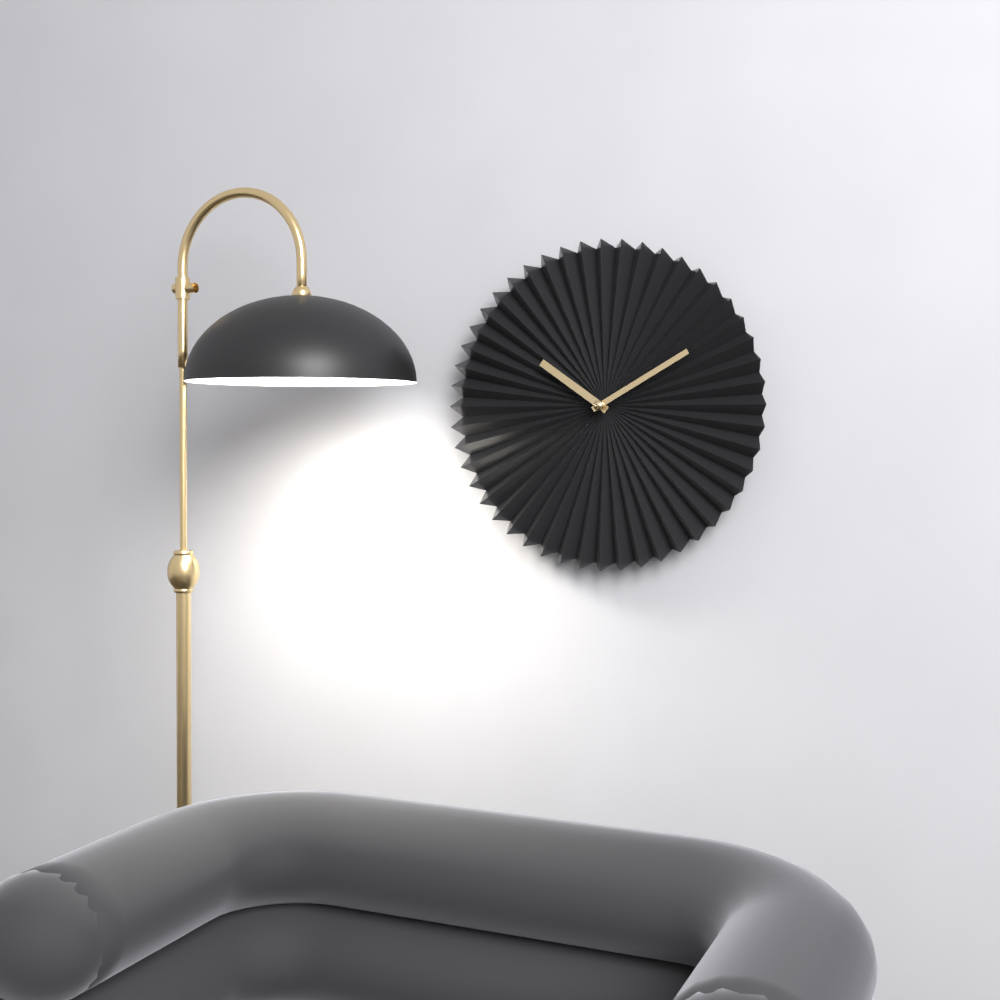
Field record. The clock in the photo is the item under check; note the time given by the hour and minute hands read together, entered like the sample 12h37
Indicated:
10h10
